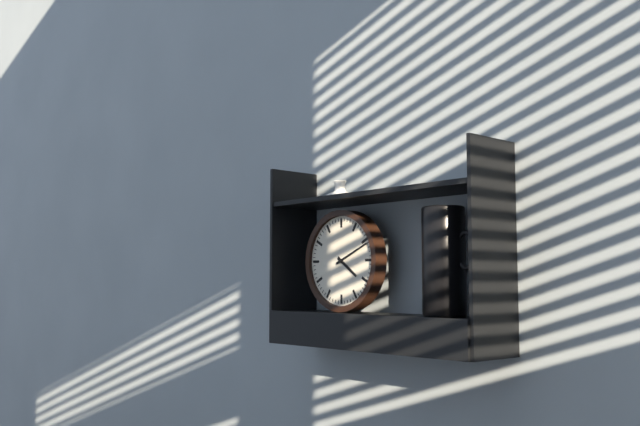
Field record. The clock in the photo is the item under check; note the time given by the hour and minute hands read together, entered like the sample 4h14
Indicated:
4h11
